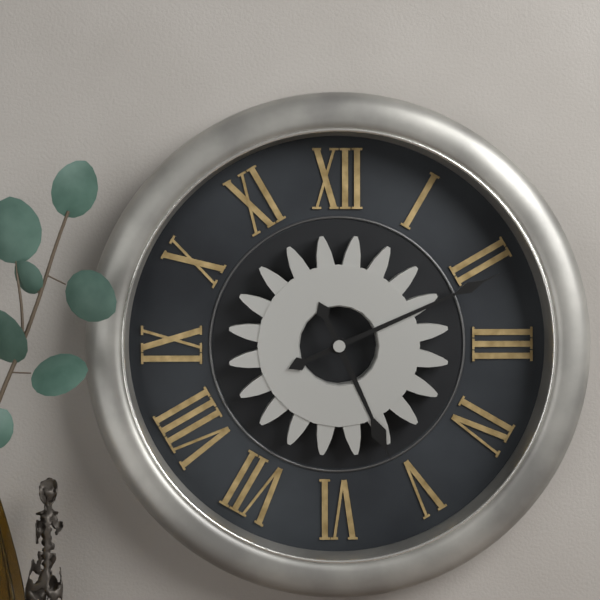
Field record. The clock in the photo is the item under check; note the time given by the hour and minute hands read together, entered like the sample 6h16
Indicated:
5h11
